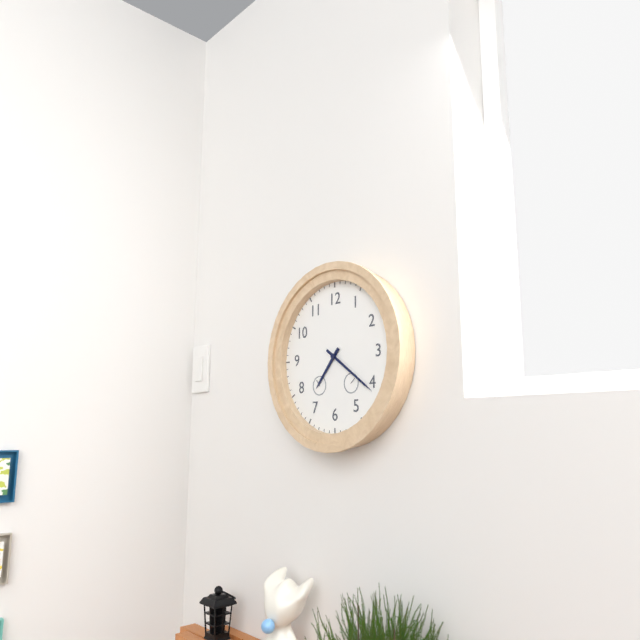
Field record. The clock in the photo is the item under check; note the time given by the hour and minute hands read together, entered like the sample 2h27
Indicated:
7h21
